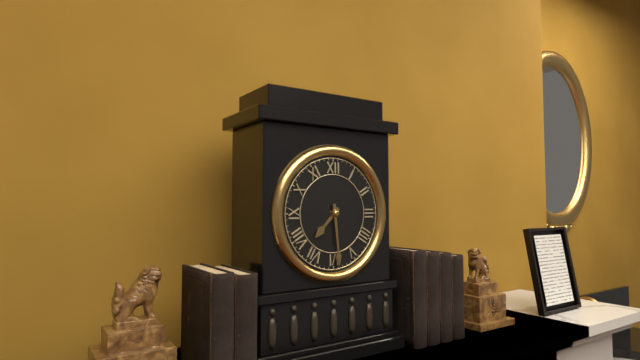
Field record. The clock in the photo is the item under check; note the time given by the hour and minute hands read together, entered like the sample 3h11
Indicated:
7h29
